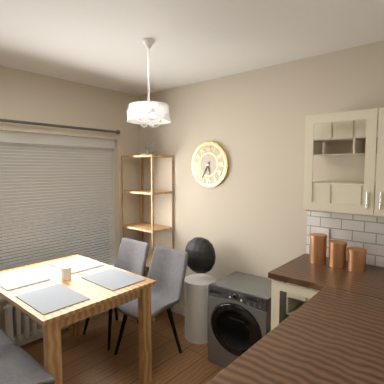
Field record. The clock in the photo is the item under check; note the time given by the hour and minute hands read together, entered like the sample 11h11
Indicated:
5h35
